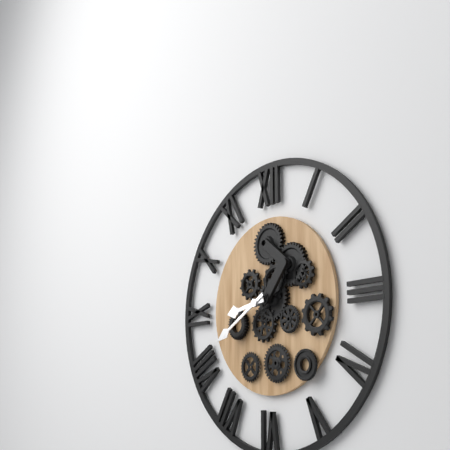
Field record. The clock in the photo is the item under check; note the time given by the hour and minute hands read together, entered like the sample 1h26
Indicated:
8h40
